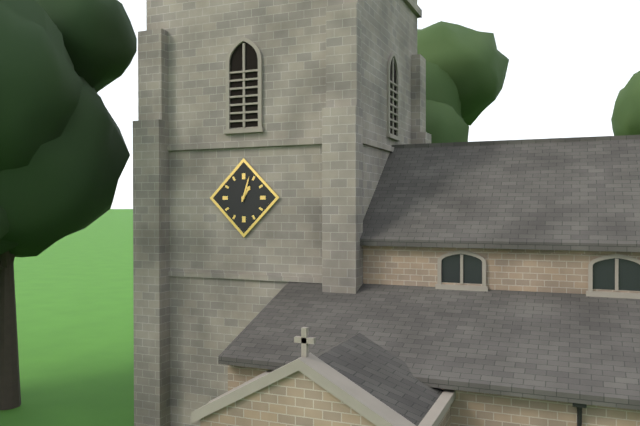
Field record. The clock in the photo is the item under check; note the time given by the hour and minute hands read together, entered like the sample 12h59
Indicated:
1h03
